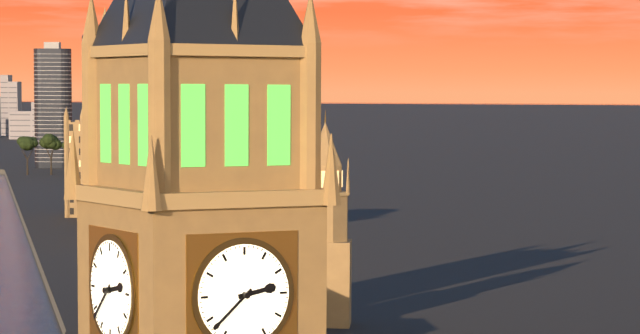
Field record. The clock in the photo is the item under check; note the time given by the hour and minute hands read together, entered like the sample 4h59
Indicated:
2h38
